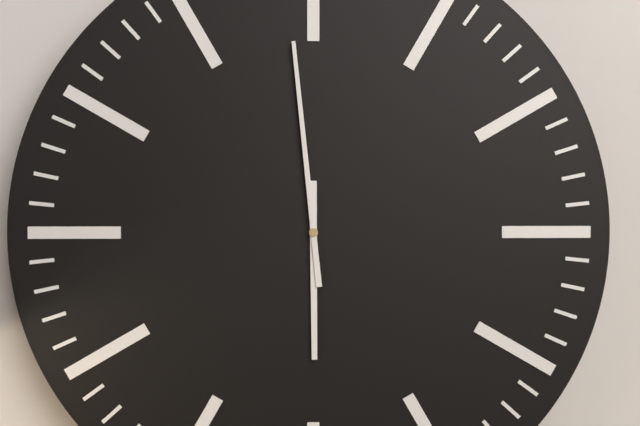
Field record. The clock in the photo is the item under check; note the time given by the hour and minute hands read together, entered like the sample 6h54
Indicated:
5h59
